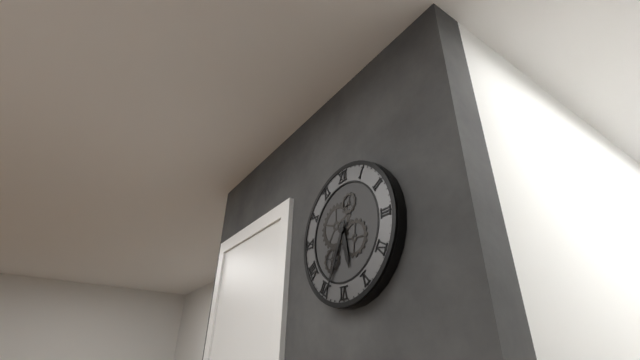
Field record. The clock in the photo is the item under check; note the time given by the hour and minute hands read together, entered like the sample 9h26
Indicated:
5h34
